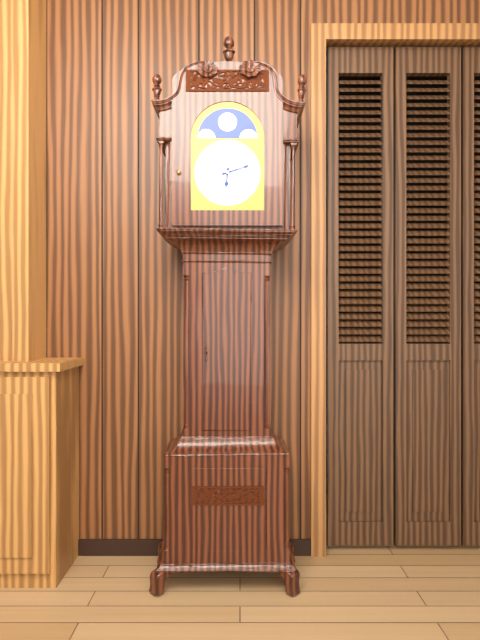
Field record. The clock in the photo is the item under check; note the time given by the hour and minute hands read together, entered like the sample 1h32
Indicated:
6h12
